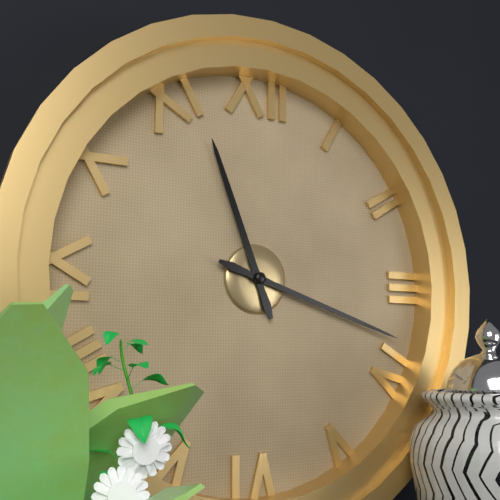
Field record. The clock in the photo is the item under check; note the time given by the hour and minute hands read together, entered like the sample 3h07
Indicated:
11h18
